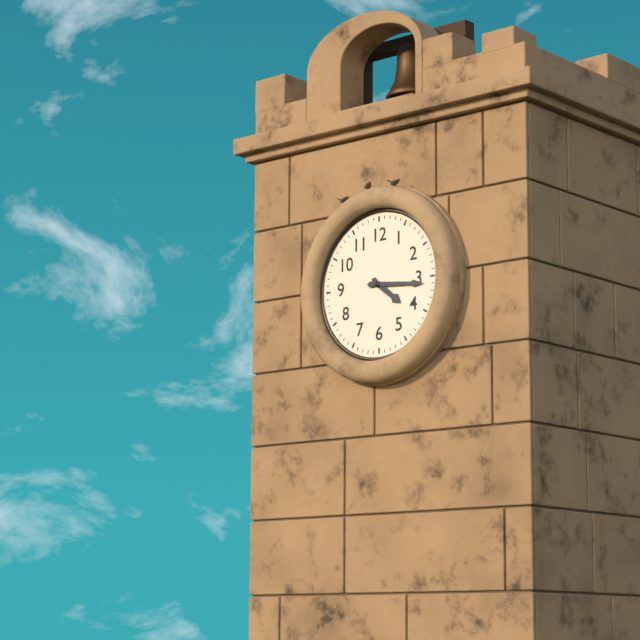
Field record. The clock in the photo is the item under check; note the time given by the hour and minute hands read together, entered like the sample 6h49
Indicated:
4h16
